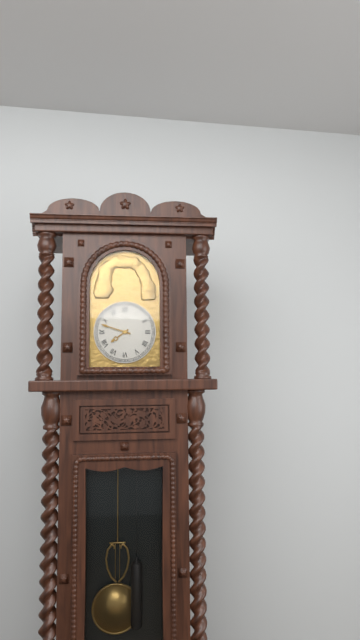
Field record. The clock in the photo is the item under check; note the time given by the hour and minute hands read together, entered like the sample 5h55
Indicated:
7h48
